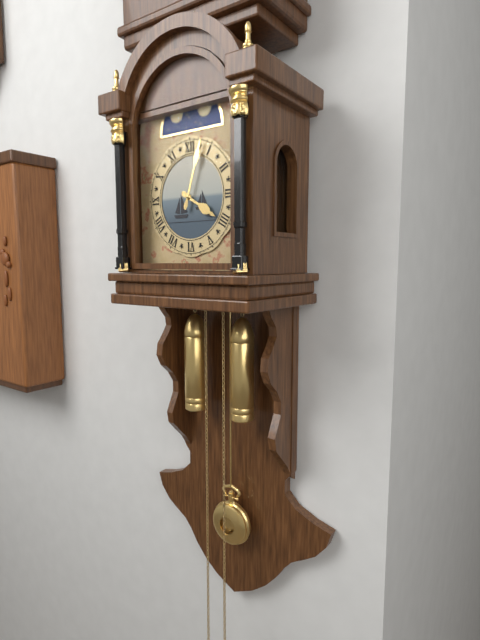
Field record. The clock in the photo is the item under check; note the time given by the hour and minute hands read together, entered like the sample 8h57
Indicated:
4h03
